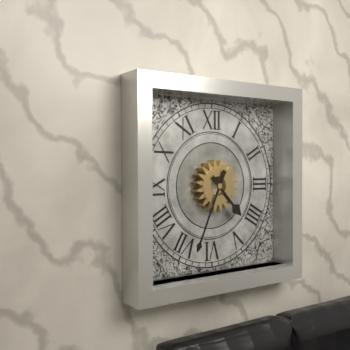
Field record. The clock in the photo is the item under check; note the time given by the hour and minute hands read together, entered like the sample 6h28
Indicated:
4h34
